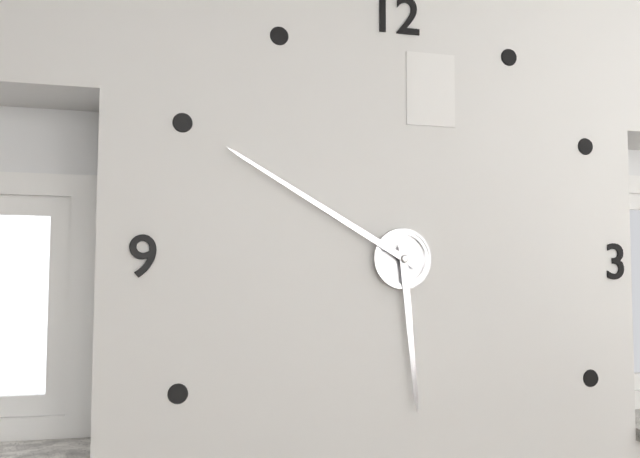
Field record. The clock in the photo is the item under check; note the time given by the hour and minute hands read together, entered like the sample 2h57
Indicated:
5h50
